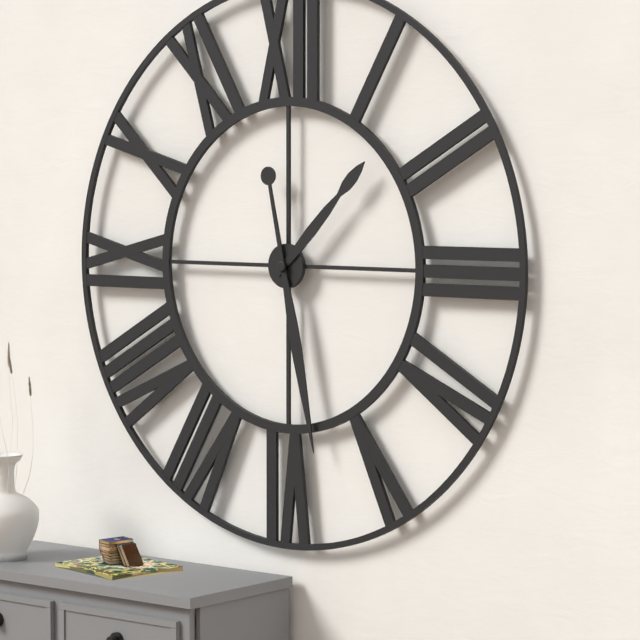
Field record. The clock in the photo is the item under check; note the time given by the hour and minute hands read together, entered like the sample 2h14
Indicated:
1h28
